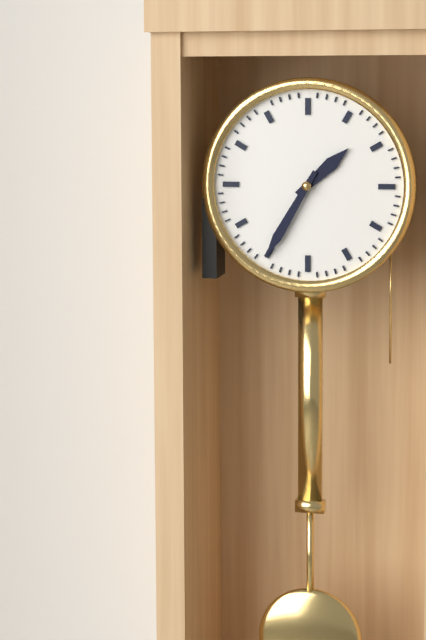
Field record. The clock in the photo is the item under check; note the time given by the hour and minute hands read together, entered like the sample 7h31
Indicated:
1h35
